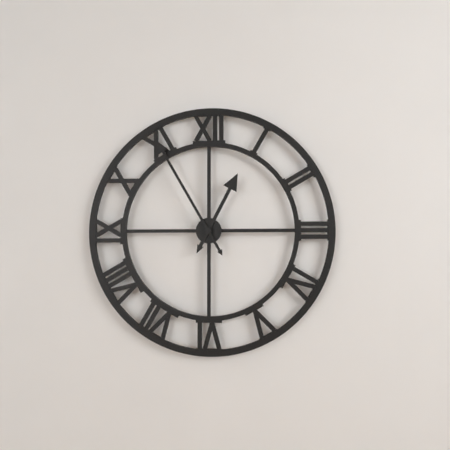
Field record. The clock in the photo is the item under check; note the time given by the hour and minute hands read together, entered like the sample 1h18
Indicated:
12h55
